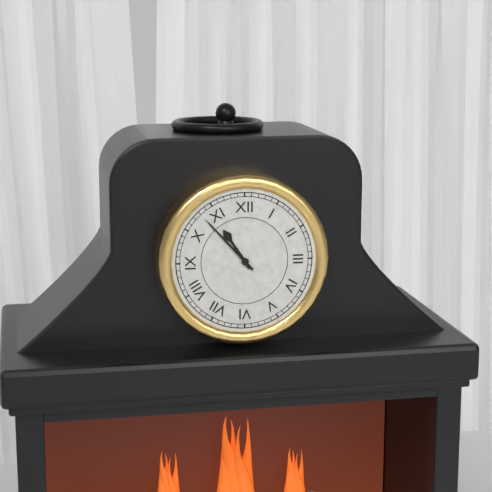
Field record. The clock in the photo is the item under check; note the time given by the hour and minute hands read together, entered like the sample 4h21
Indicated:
10h53
